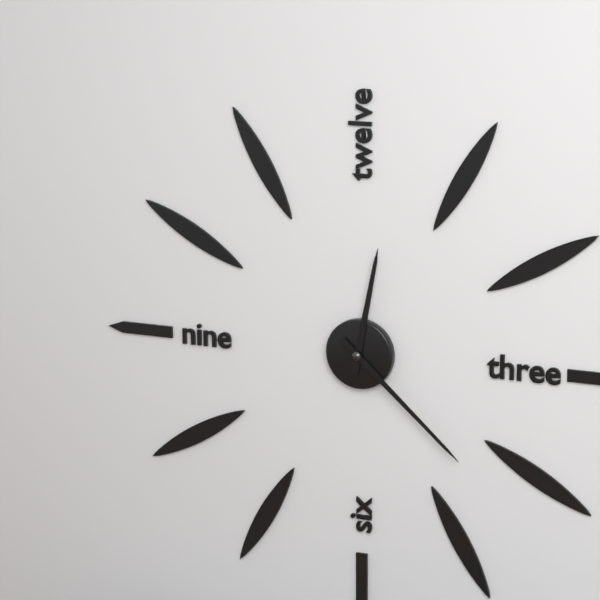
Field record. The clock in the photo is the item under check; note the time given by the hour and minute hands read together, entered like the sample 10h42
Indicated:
12h22
